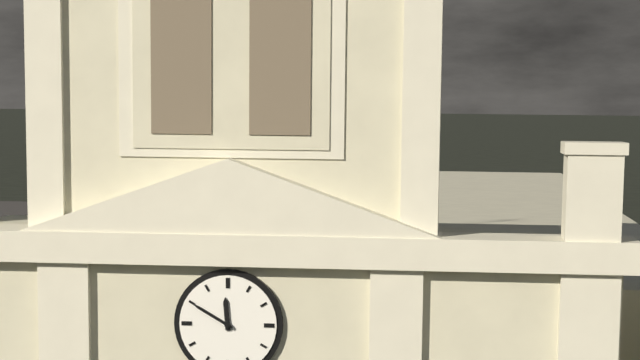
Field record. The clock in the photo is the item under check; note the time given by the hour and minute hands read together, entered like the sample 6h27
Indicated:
11h50
